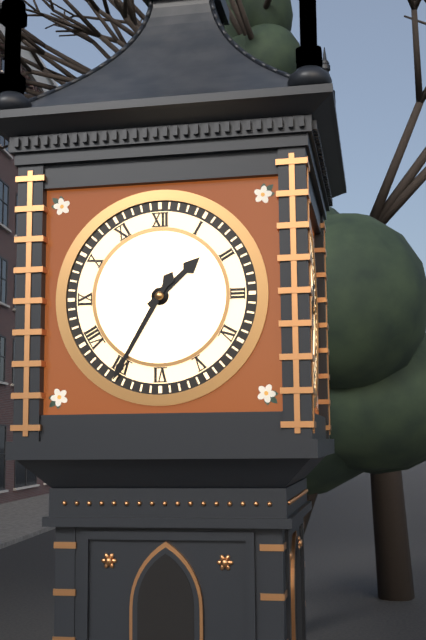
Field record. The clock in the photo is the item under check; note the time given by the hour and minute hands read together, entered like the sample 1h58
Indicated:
1h35
